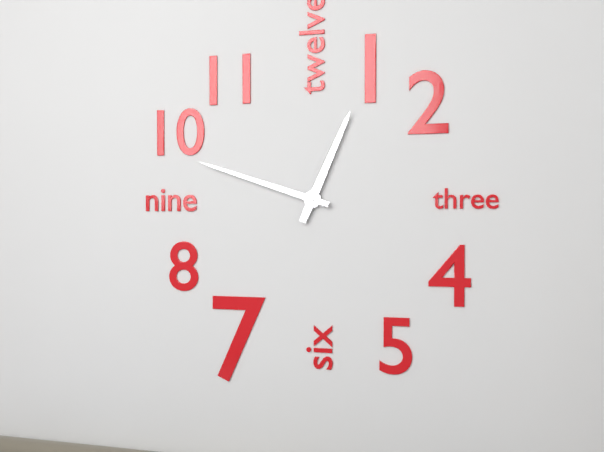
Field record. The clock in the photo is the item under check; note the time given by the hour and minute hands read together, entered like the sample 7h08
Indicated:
12h48
